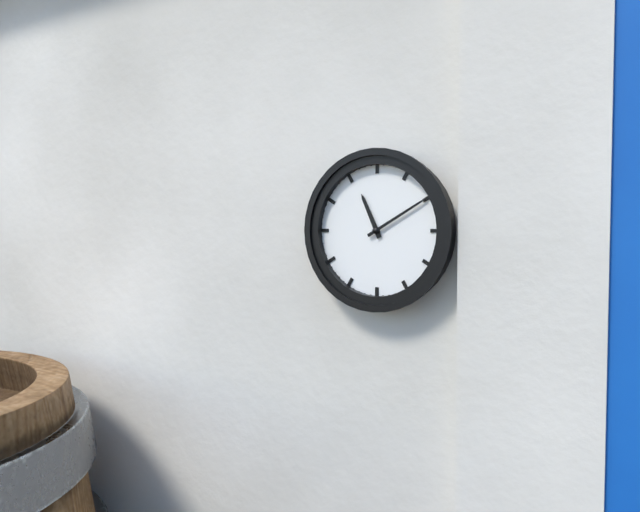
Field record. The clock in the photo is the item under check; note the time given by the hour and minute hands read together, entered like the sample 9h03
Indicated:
11h10
